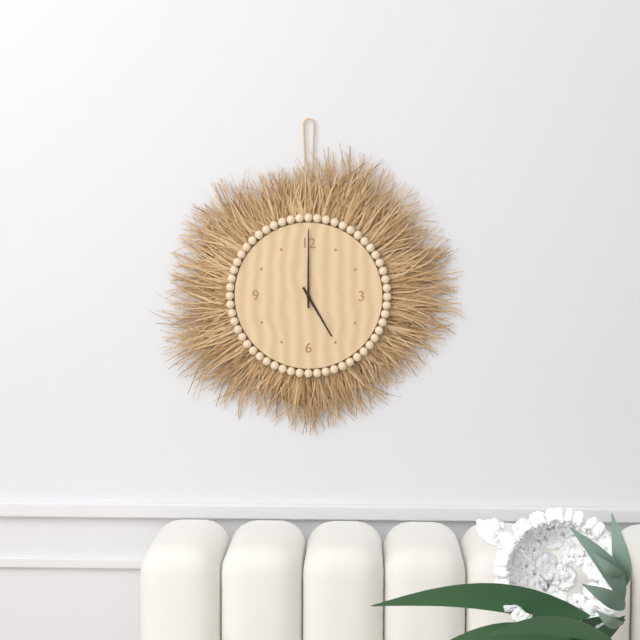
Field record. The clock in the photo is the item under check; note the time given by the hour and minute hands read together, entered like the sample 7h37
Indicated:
5h00
